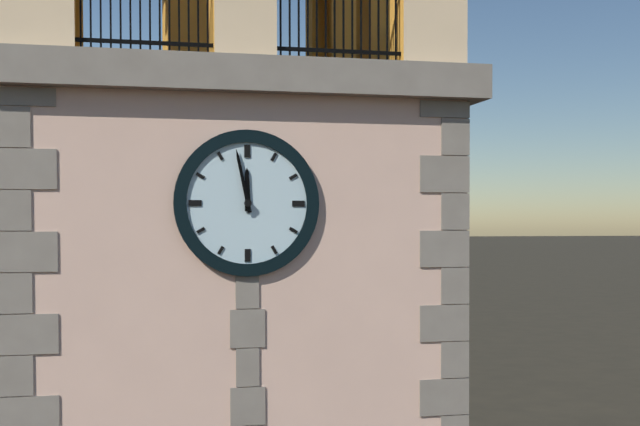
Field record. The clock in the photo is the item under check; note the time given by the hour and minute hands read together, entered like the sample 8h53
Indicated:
11h58
